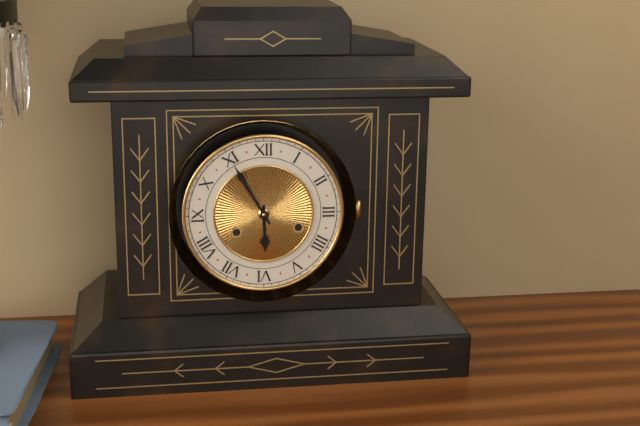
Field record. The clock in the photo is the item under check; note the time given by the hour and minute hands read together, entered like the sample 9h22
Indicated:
5h55
